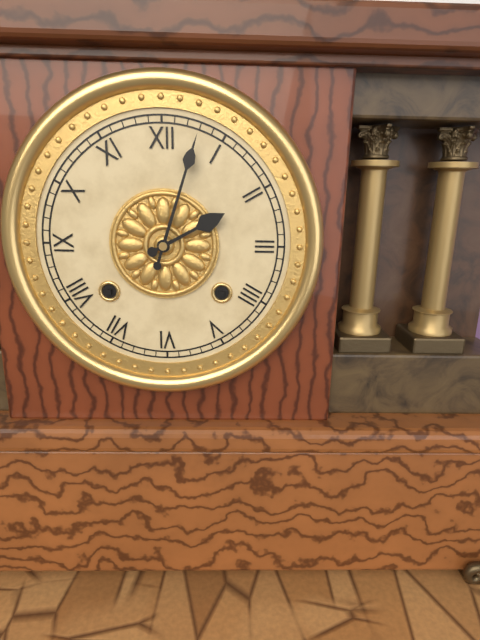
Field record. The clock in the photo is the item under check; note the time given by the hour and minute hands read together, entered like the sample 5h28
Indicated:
2h03
